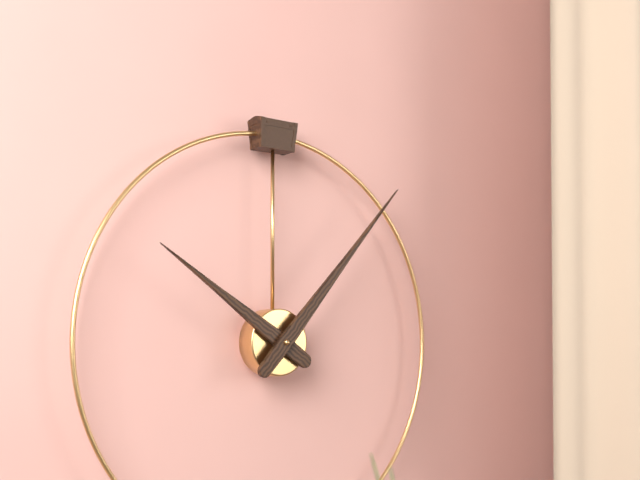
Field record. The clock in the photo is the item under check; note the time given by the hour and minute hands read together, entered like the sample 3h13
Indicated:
10h07
